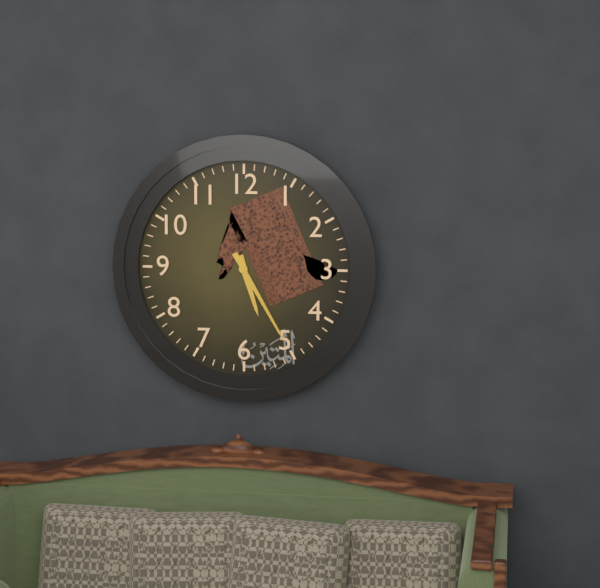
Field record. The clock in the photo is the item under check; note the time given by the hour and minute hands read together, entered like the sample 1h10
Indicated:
5h25
